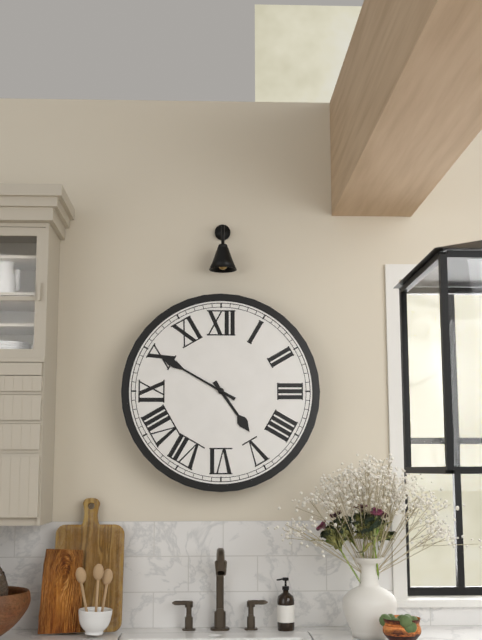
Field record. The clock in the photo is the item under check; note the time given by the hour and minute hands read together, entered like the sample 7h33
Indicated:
4h50
